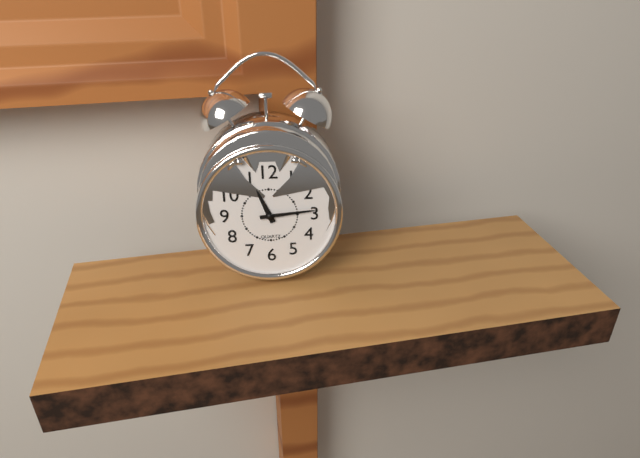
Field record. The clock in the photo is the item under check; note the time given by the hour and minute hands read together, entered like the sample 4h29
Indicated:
11h14
